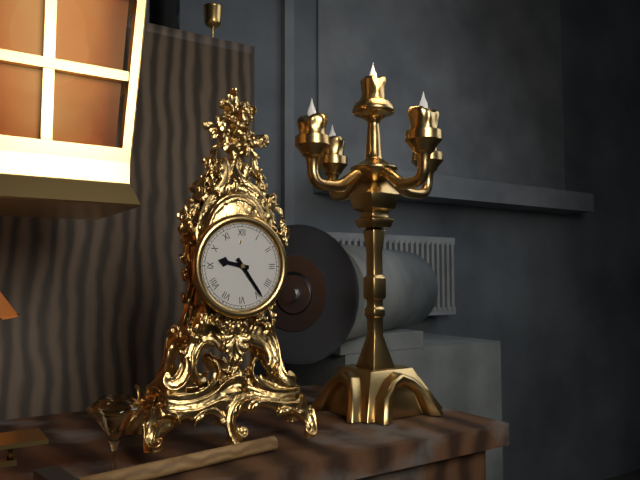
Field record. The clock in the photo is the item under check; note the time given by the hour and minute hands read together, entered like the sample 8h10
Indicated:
9h24
